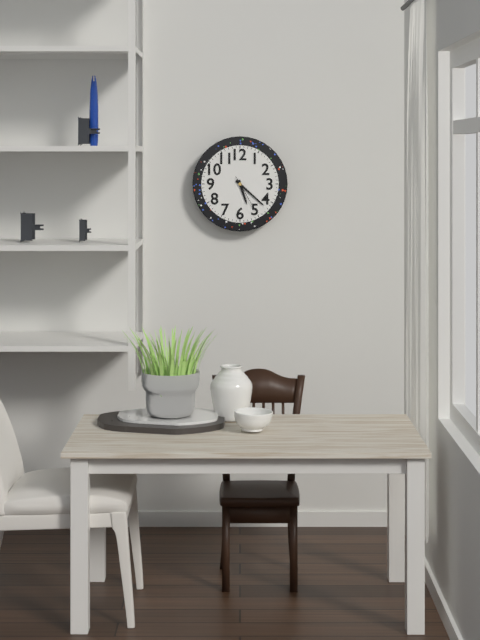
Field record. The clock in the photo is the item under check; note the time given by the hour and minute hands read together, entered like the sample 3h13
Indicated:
5h22
